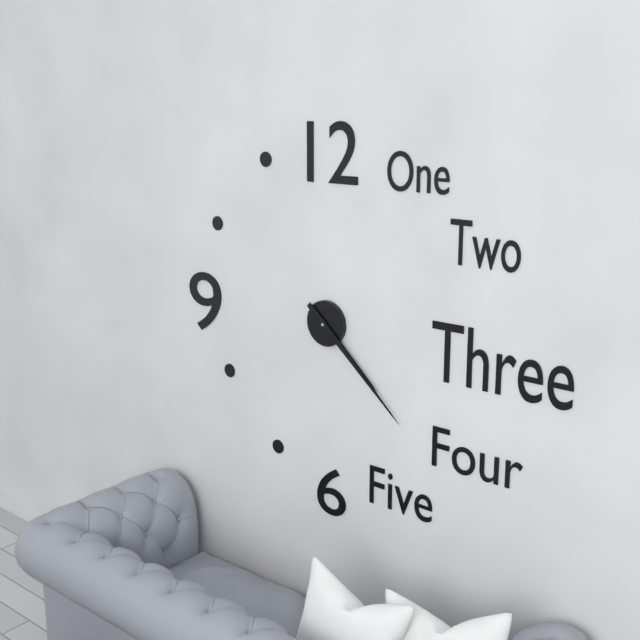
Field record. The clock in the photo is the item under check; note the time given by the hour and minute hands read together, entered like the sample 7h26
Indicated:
4h22
